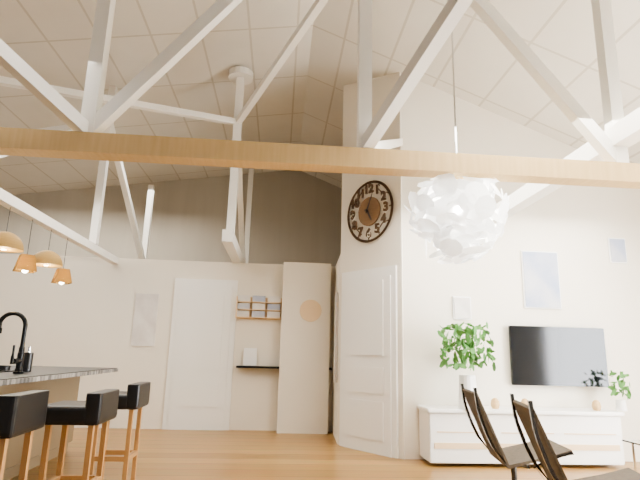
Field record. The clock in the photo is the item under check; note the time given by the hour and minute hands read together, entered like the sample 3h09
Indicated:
5h04
